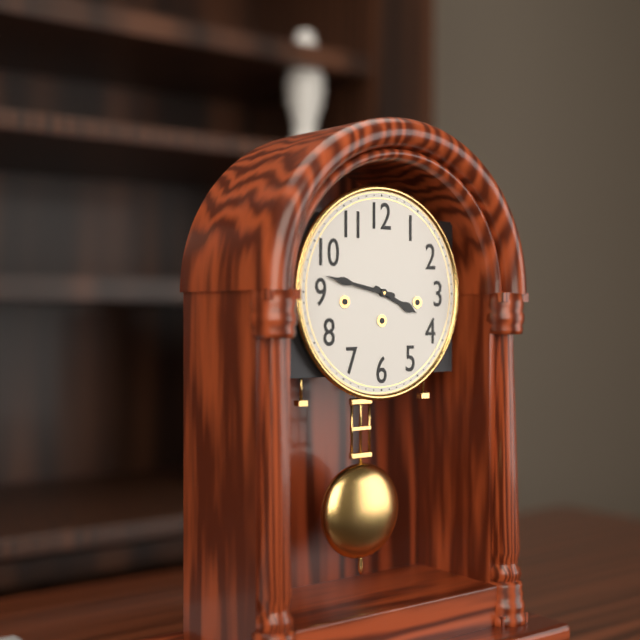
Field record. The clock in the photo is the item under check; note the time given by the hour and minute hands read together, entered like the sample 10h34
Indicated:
3h47
